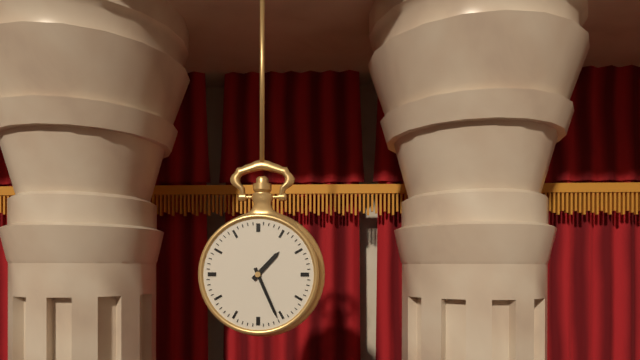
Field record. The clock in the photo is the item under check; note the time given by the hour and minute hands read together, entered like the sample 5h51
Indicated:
1h26
